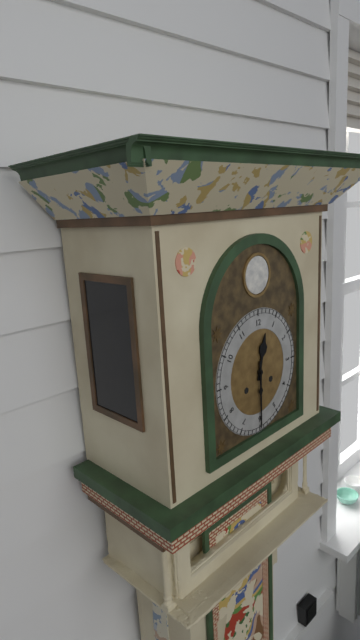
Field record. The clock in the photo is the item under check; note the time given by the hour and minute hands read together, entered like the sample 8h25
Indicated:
12h30
